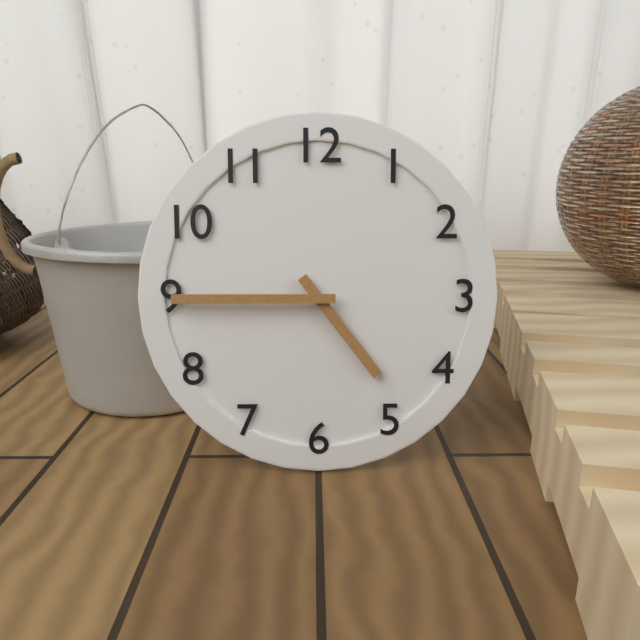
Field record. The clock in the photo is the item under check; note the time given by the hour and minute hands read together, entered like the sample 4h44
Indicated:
4h45
